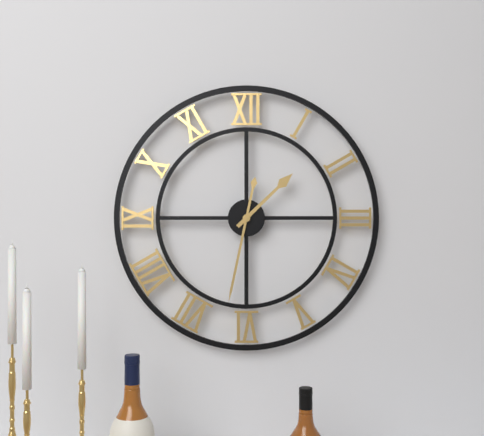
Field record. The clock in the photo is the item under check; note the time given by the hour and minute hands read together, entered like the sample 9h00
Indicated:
1h32
